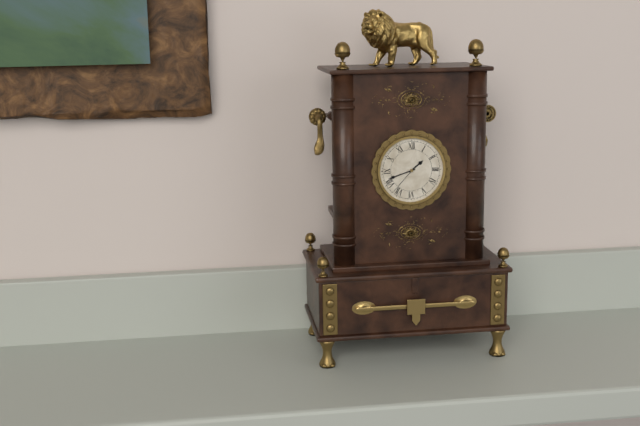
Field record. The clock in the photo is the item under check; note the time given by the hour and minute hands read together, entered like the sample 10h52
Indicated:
1h42
